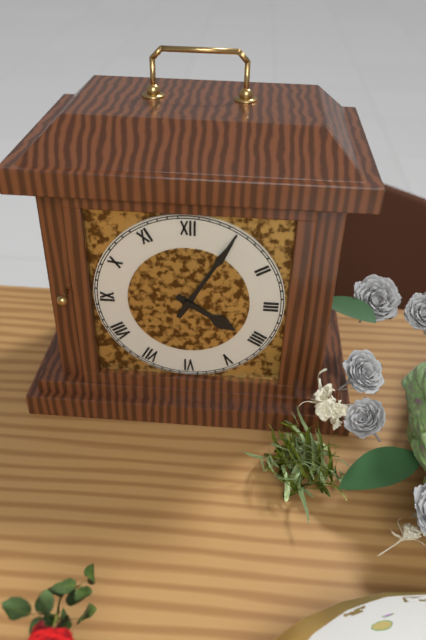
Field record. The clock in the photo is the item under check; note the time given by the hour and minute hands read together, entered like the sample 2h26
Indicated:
4h05
